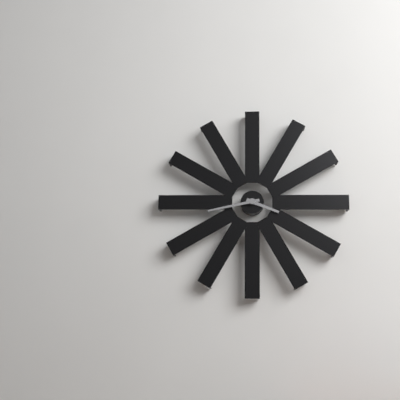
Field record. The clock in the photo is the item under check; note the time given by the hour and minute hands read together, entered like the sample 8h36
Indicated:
3h43
